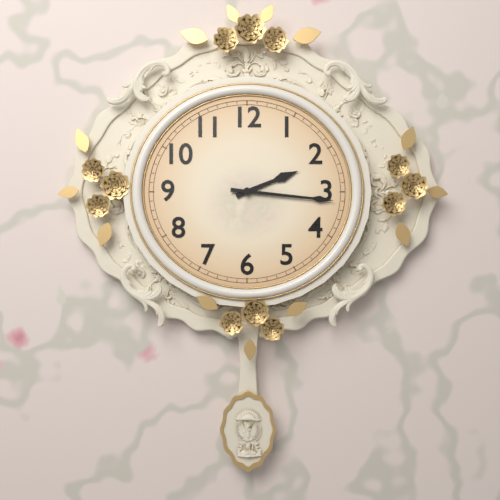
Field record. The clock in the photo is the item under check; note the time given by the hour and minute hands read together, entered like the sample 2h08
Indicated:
2h16
